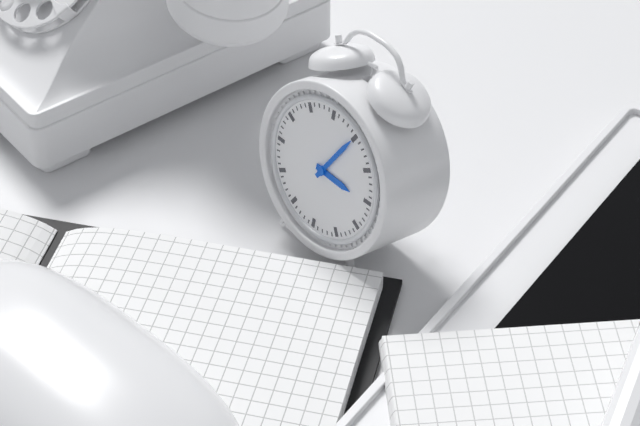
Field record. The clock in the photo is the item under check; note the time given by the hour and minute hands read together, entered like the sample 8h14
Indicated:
3h05
